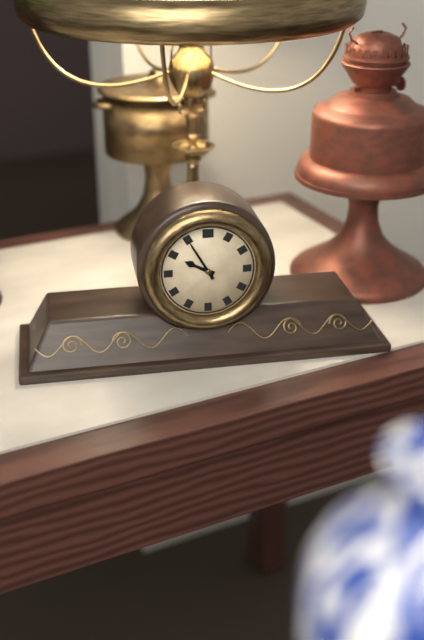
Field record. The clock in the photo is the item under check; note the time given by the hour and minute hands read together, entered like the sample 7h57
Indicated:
9h55
